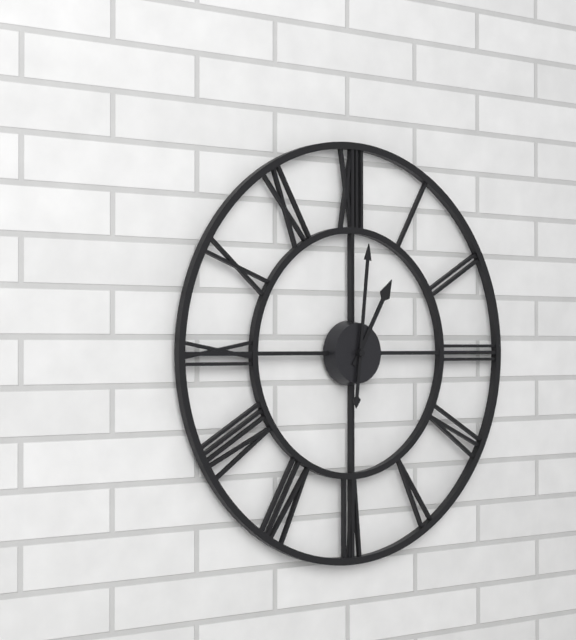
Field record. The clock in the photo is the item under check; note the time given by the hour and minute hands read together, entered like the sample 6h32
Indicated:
1h01
